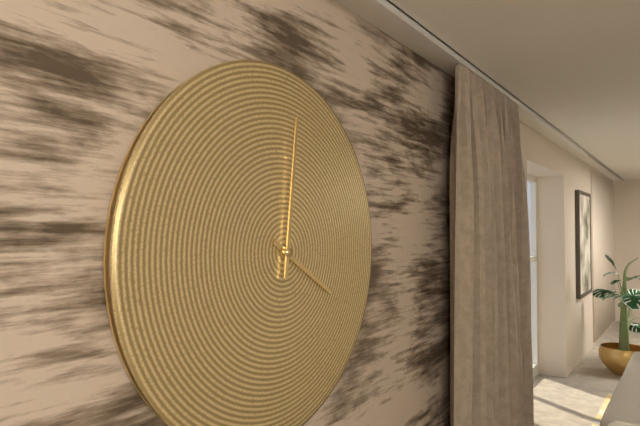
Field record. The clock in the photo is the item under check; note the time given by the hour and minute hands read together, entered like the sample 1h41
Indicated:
4h01
